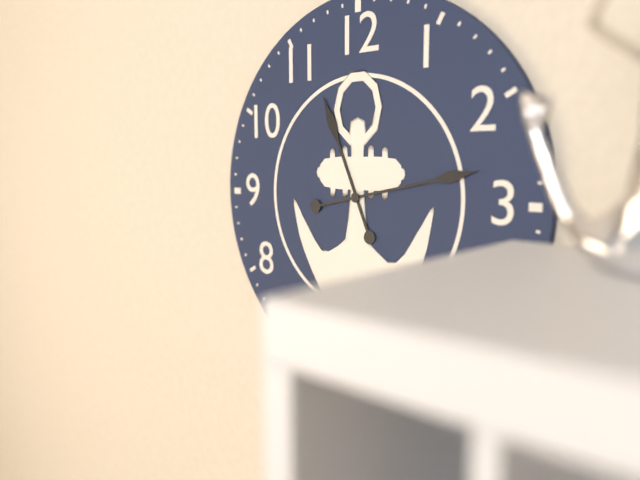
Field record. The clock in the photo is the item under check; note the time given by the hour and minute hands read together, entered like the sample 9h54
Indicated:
11h13
